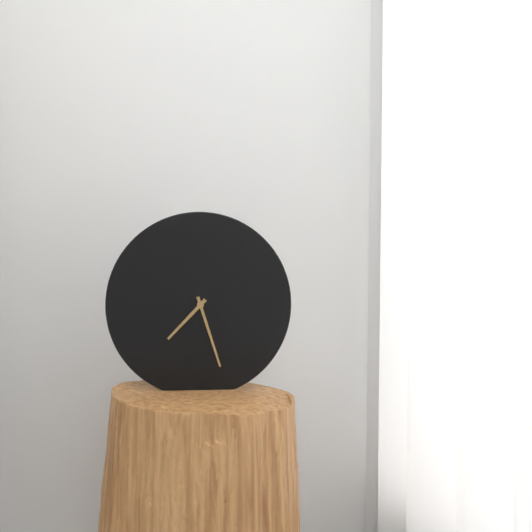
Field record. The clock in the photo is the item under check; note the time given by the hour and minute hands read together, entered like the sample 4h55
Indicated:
7h27
